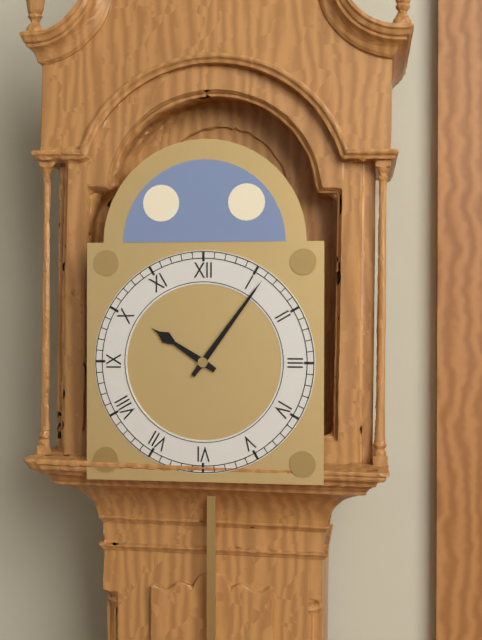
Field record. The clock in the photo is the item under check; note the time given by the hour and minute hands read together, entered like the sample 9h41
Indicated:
10h06
